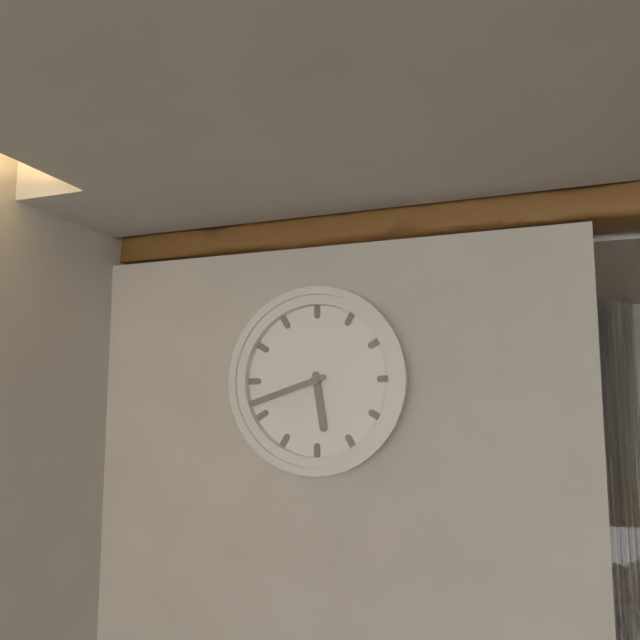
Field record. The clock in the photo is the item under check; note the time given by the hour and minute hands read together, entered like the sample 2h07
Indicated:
5h42
